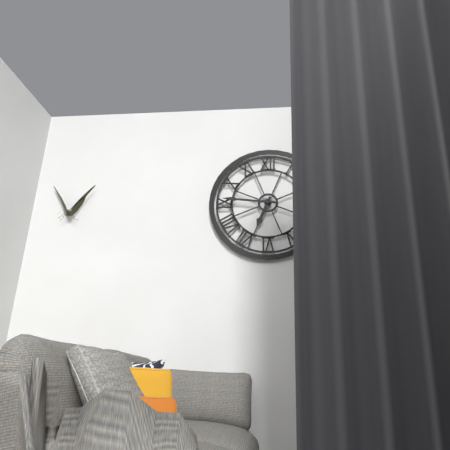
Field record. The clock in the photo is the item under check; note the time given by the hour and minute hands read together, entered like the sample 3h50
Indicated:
6h46
